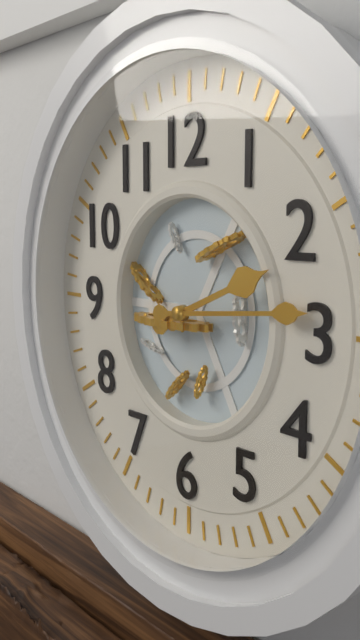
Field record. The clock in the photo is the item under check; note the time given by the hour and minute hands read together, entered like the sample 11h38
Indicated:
2h14
